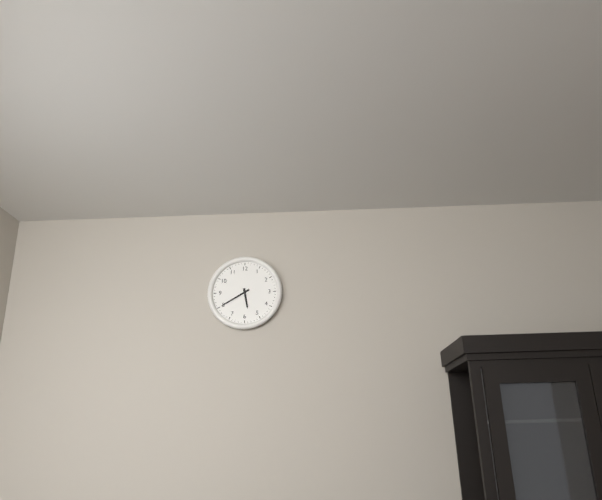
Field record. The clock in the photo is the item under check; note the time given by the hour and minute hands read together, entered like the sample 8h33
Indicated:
5h40
